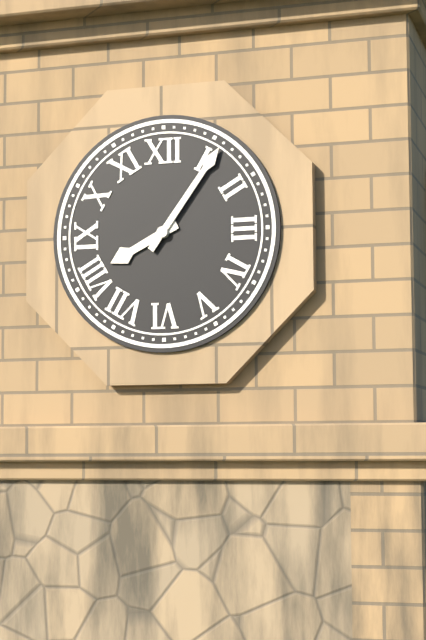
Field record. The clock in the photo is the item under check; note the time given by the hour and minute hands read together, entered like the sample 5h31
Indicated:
8h06
